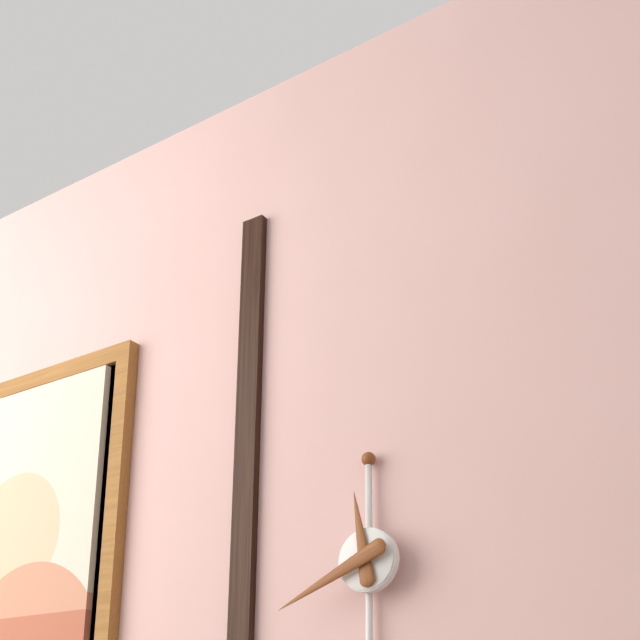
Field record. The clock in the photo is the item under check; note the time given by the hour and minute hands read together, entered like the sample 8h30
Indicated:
11h41
